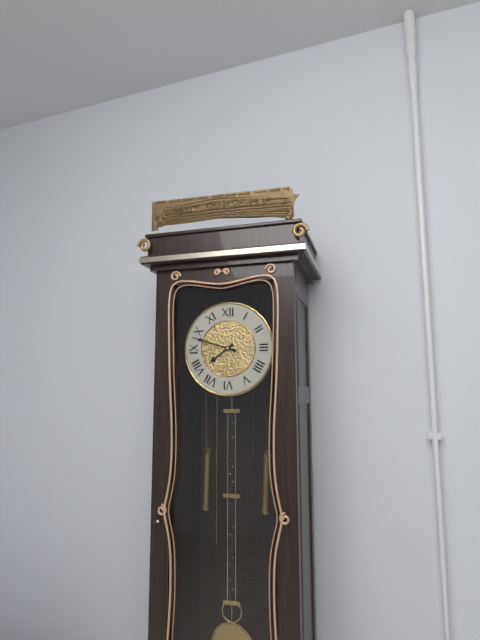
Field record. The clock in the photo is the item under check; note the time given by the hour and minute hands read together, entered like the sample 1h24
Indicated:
7h48
